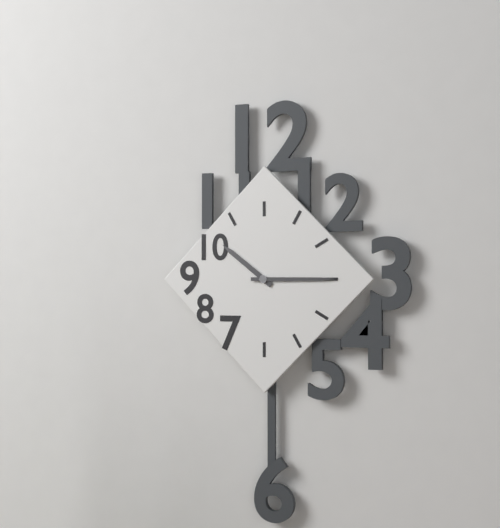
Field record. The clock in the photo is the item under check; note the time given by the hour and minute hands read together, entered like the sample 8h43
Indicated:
10h15
